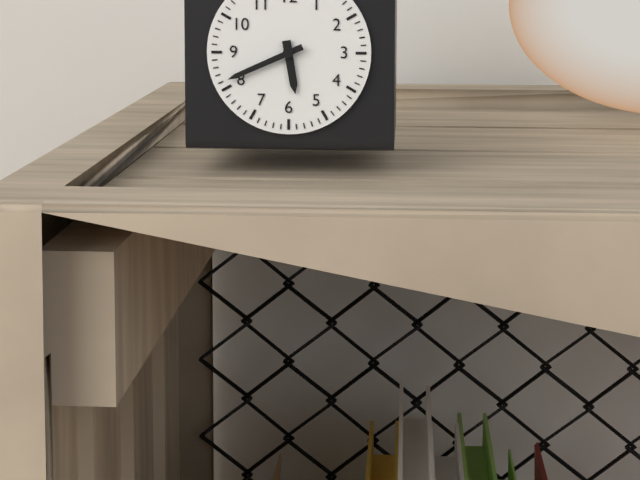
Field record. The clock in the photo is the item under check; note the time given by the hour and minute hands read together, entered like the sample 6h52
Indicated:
5h41
